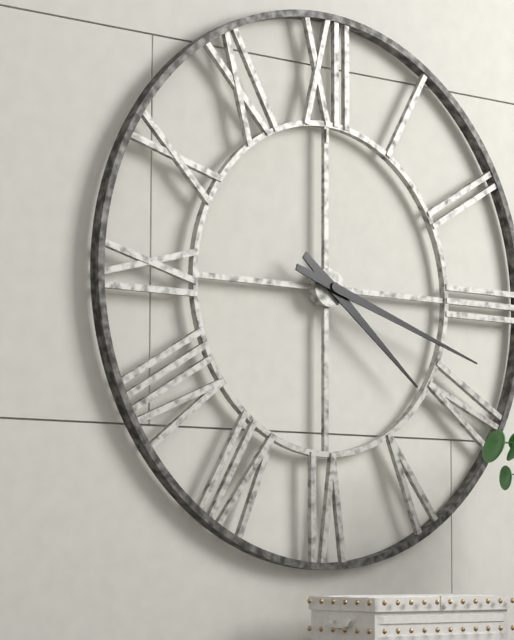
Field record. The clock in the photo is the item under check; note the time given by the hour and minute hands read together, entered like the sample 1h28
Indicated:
4h18
